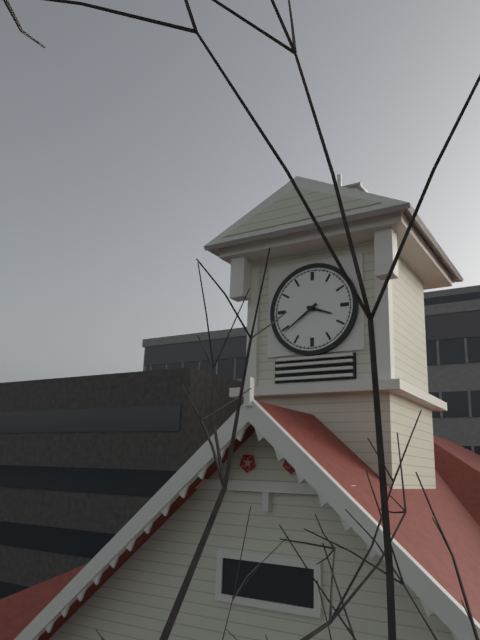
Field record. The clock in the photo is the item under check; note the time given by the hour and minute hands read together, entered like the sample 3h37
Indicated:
3h39
